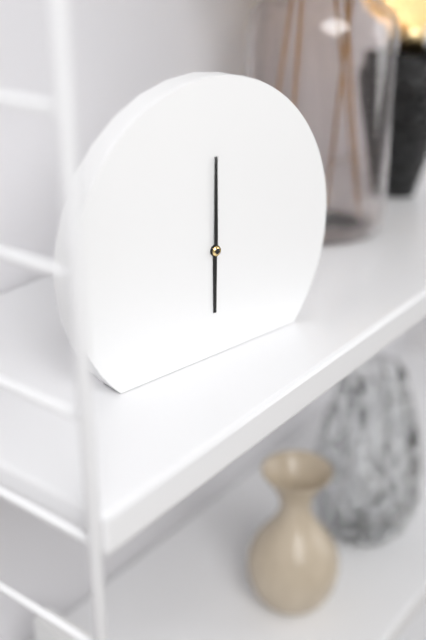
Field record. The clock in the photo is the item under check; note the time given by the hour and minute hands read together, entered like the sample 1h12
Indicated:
6h00
